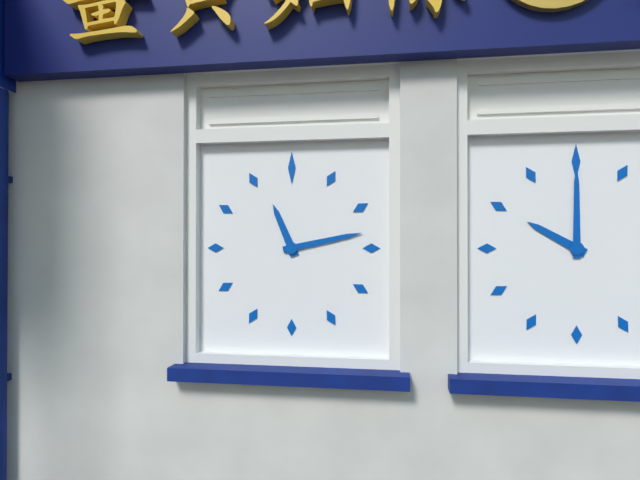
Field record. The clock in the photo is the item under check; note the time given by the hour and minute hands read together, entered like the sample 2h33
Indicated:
11h13
